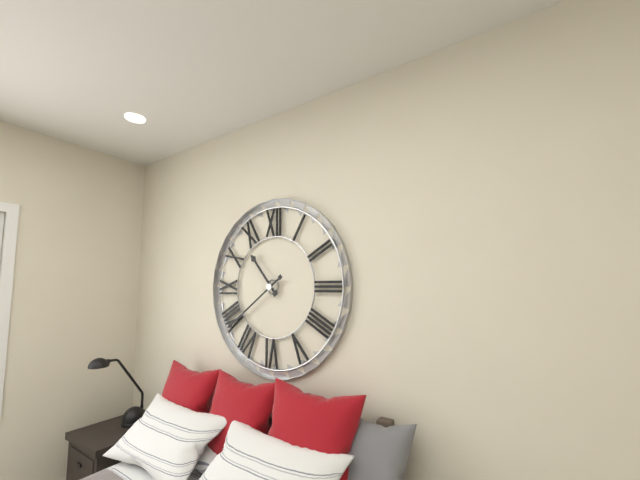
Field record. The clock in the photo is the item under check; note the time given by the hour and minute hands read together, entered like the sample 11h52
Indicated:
10h39
